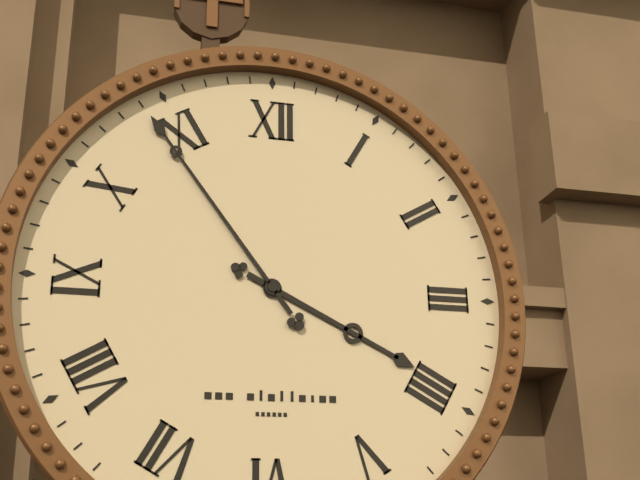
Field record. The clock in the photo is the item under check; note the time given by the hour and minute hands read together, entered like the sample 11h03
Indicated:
3h54
